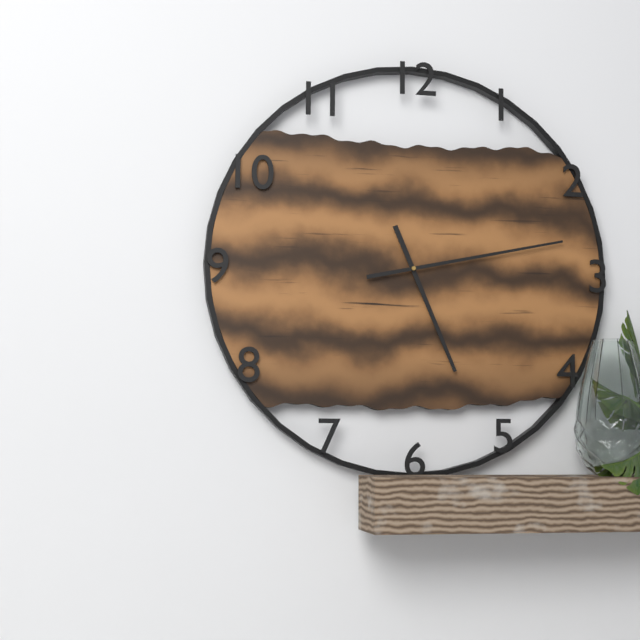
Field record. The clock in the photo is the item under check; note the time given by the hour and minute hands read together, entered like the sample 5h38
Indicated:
5h13
